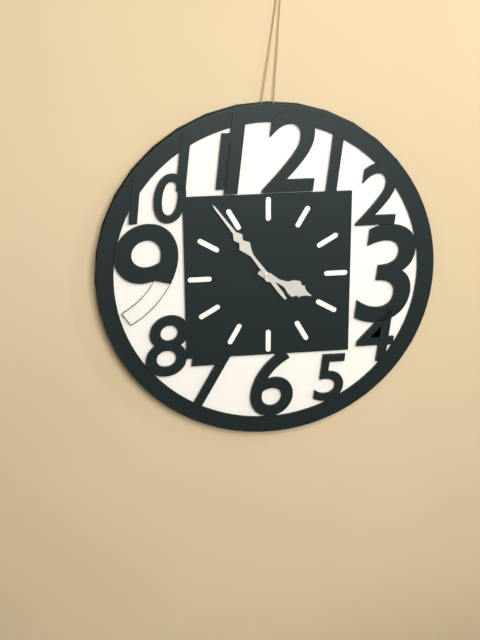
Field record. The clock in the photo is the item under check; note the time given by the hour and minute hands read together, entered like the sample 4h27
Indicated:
3h54
